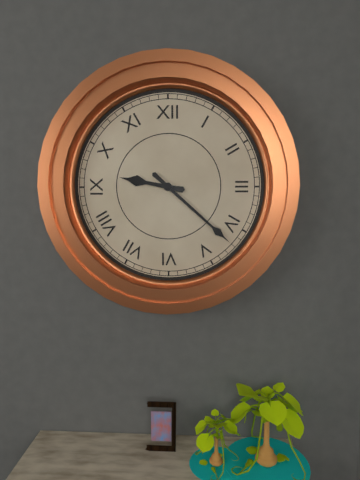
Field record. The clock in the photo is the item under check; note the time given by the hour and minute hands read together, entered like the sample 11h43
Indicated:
9h22
